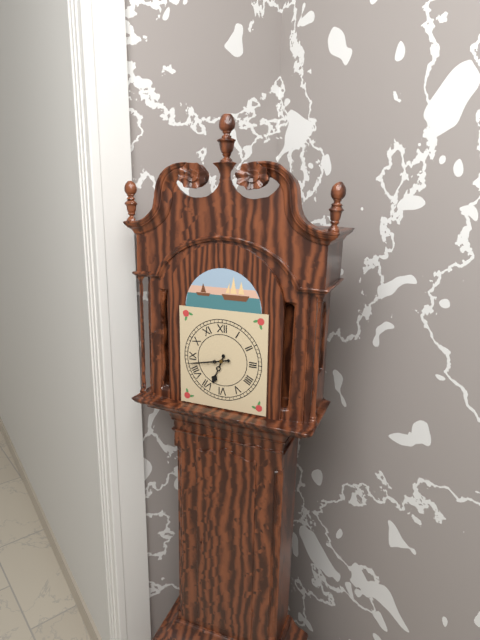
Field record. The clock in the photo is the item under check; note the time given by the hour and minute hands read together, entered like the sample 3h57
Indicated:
6h43
